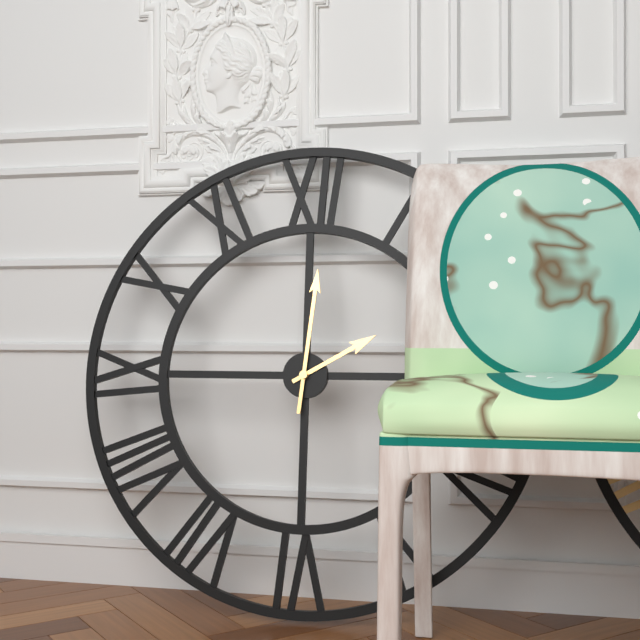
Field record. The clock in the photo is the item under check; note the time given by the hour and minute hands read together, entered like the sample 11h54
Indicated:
2h01
